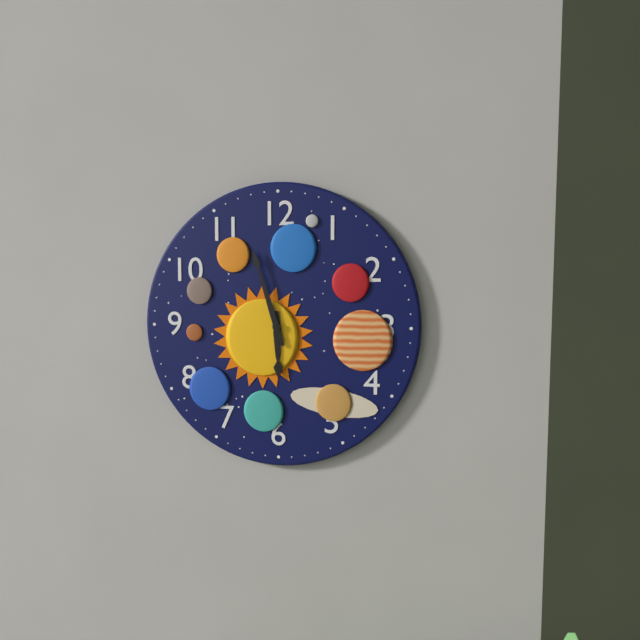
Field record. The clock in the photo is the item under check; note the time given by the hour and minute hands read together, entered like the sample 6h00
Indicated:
5h57
